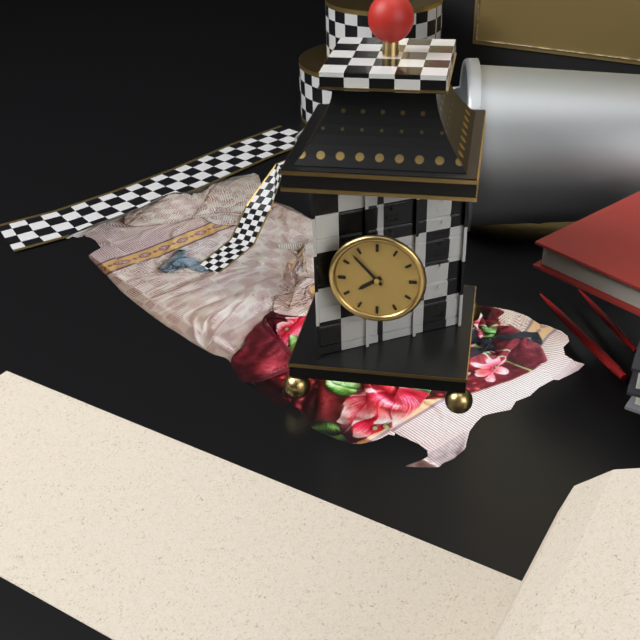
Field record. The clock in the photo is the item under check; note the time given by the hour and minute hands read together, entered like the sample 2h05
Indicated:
7h53
